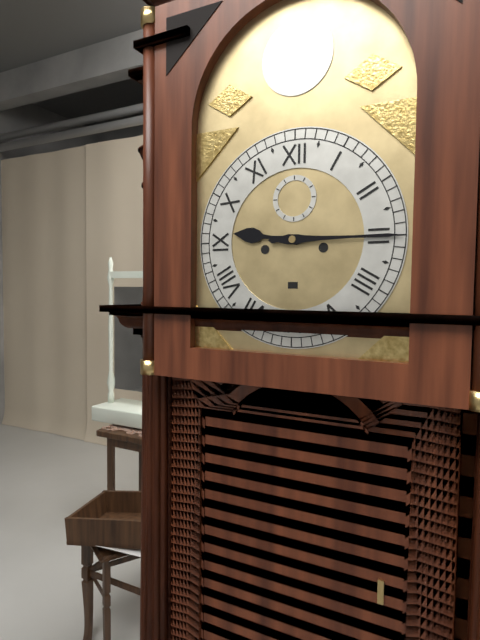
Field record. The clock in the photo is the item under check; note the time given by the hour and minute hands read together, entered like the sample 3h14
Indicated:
9h15
